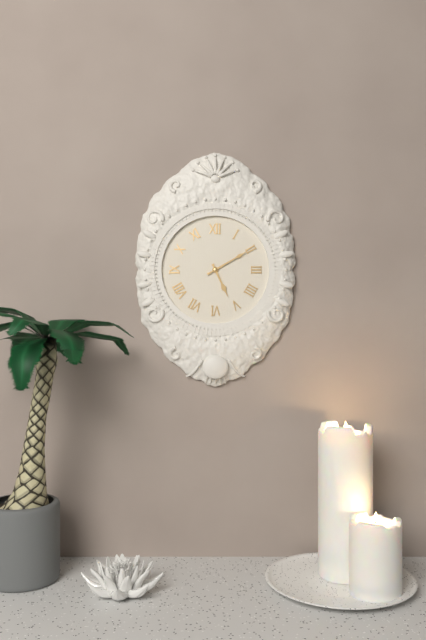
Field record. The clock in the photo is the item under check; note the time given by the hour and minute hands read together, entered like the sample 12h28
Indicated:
5h10
